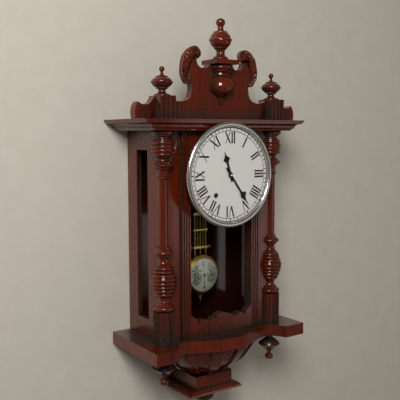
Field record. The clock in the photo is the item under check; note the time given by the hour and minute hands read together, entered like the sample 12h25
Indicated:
11h24
